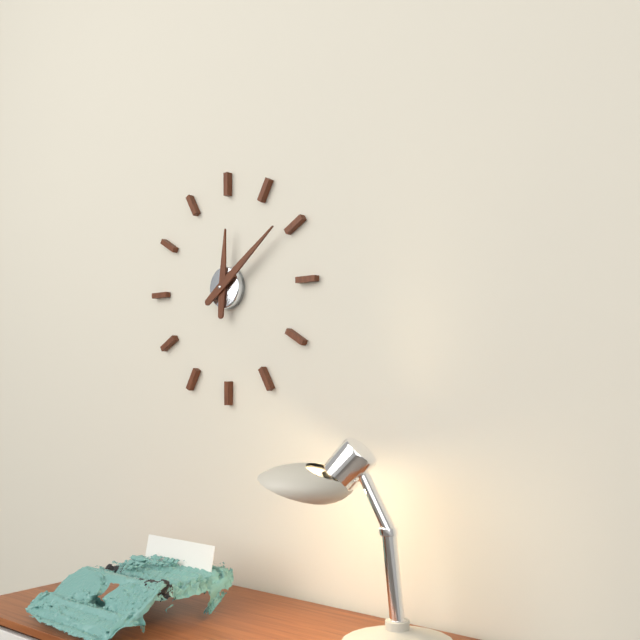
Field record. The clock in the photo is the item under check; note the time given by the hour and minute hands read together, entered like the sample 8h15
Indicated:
12h09
